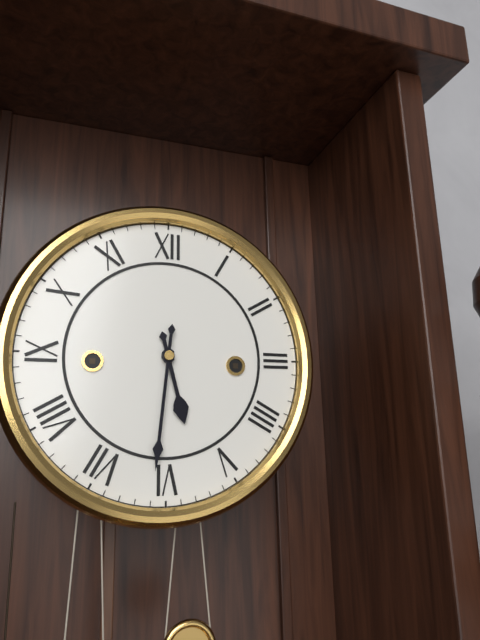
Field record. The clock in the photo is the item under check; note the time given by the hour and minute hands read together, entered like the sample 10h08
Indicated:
5h31
